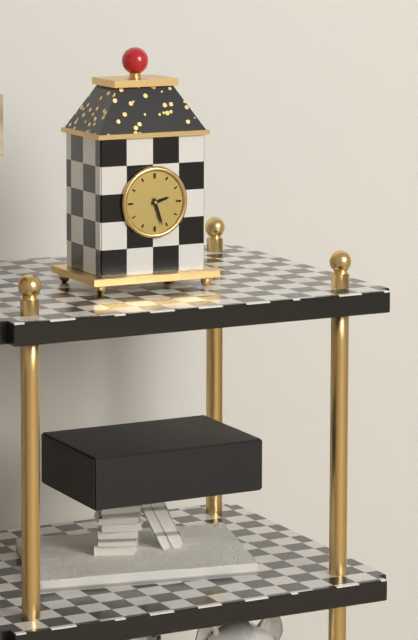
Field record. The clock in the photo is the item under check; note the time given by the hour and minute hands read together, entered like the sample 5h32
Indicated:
2h27
